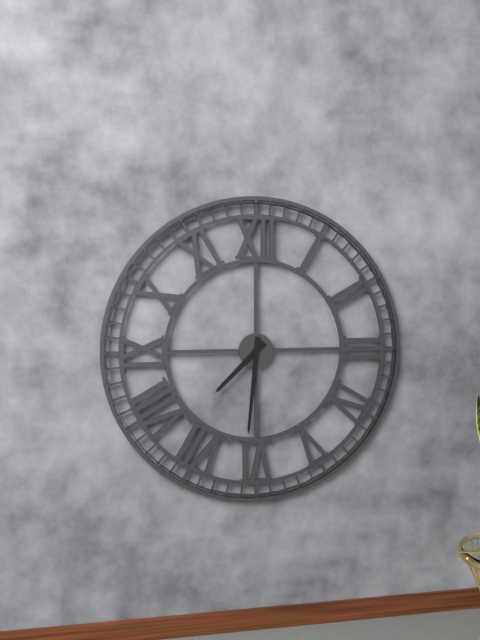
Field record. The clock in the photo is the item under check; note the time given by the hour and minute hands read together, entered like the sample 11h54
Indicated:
7h31
